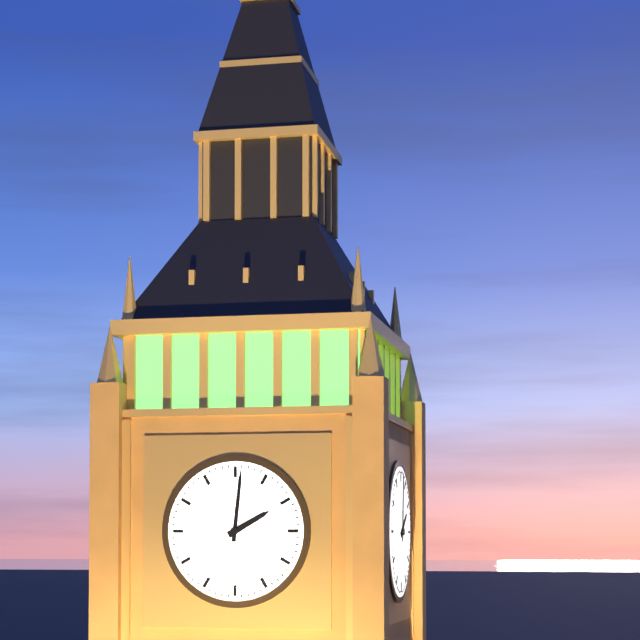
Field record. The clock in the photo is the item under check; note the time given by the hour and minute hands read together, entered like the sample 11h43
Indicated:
2h01
